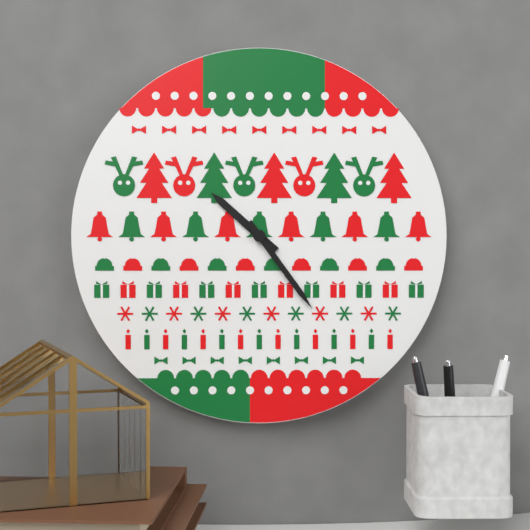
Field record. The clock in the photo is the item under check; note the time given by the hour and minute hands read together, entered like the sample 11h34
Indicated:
10h24
